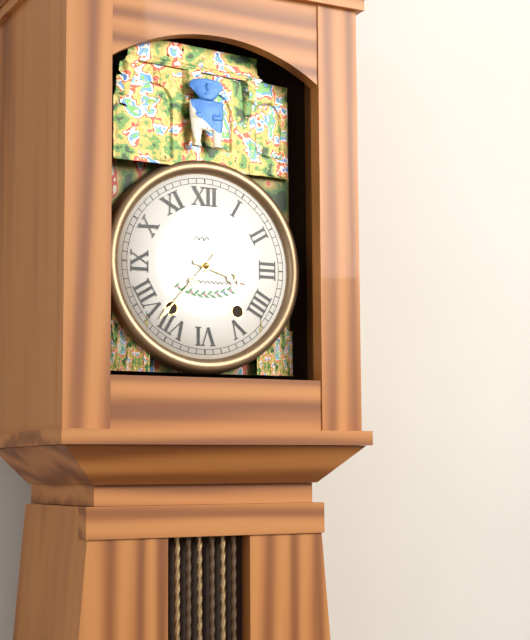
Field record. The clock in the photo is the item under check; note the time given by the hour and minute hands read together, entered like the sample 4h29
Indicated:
3h37
